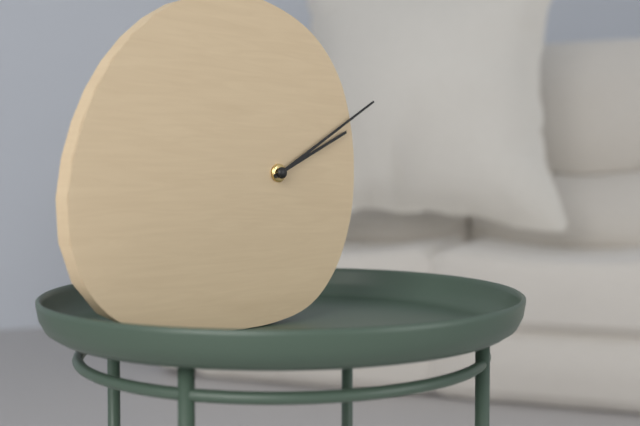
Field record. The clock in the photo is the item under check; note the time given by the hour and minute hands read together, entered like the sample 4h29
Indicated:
2h10
